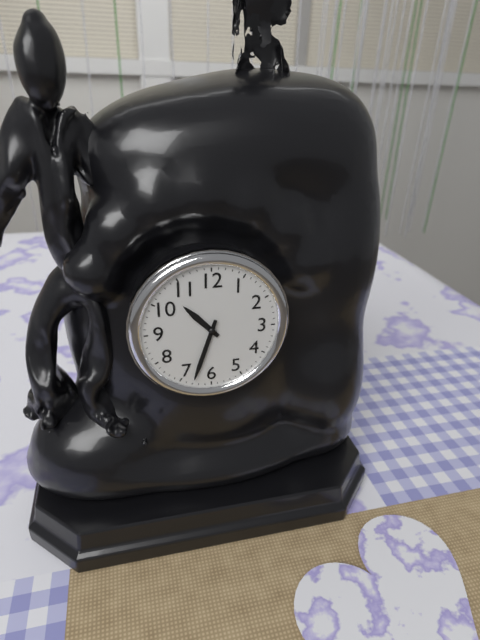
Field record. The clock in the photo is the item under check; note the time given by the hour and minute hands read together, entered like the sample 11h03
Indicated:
10h33
